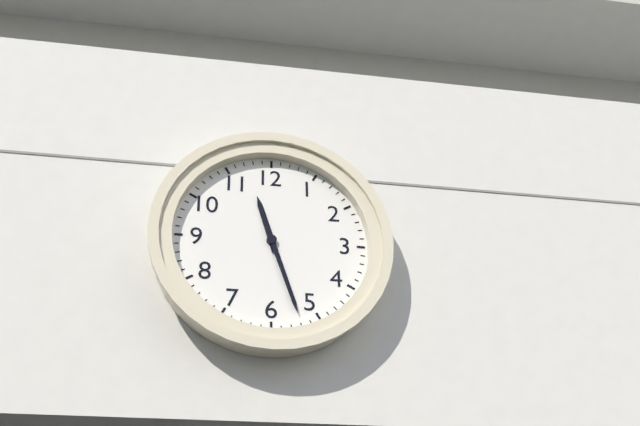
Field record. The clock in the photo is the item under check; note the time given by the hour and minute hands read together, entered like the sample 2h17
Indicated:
11h27
